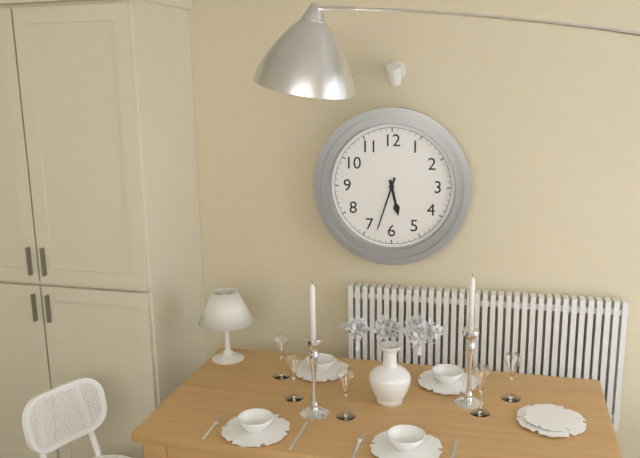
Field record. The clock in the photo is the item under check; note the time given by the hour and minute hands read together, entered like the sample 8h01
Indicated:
5h33
